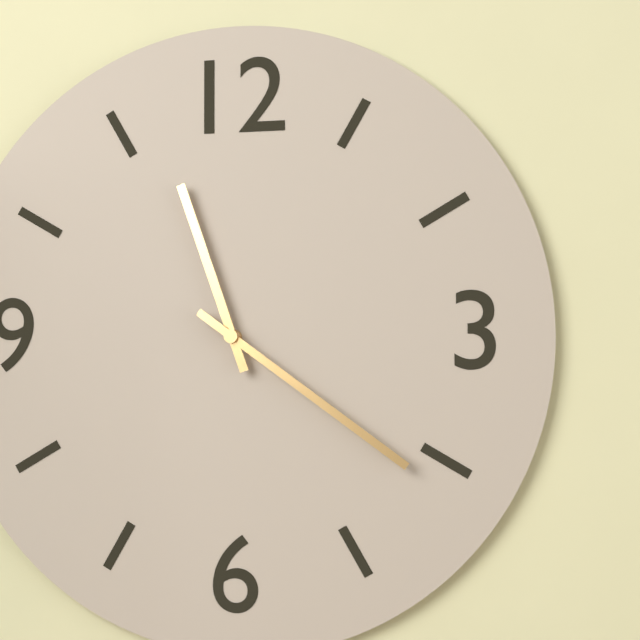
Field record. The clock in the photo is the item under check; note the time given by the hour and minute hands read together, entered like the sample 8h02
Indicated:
11h21
